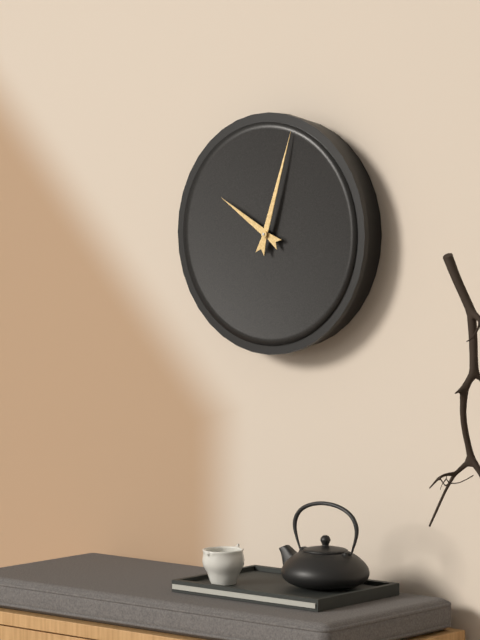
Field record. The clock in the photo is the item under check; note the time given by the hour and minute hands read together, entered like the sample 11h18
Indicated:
10h03
